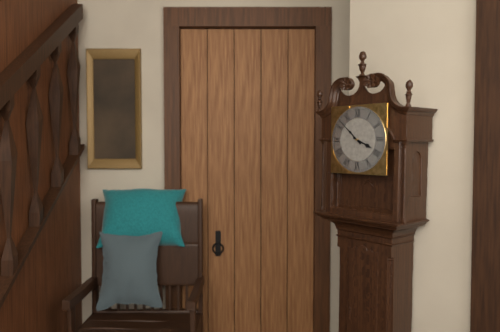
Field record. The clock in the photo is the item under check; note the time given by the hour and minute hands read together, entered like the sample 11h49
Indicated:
3h52
